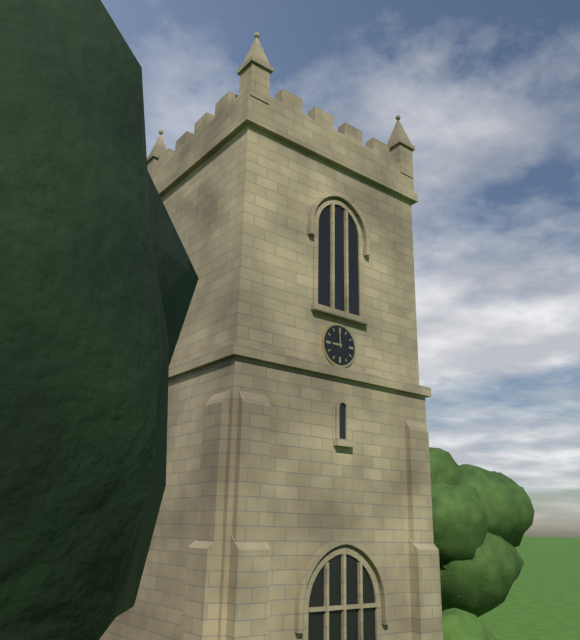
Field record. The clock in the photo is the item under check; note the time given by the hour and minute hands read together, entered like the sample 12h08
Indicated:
8h59
